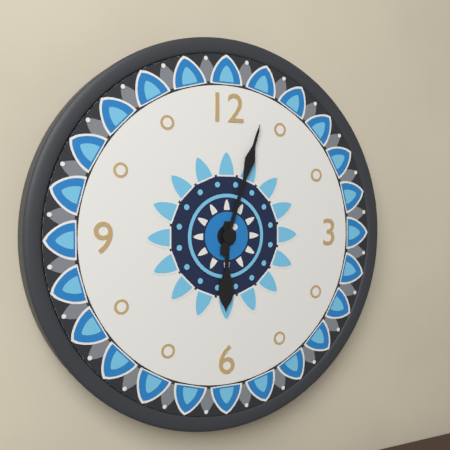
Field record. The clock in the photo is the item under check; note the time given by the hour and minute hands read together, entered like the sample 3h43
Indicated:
6h03
